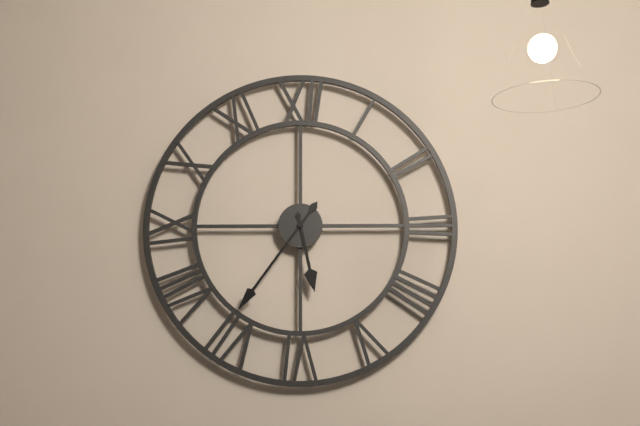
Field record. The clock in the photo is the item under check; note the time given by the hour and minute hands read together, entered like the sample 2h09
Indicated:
5h36
